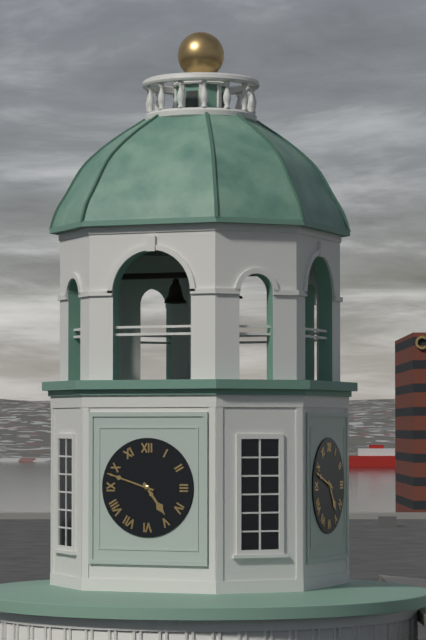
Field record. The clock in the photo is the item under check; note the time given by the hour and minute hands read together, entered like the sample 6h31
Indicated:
4h48
